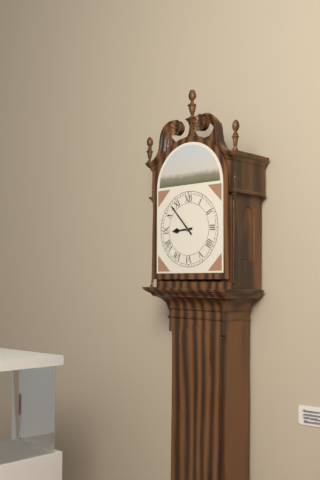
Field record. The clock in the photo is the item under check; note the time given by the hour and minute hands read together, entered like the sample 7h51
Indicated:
8h53
